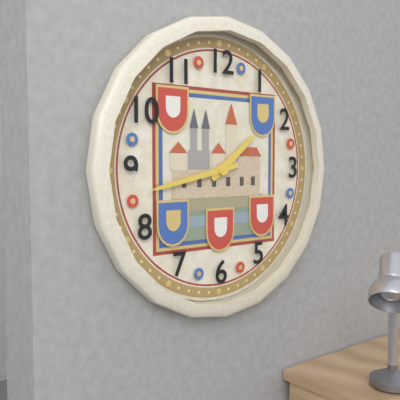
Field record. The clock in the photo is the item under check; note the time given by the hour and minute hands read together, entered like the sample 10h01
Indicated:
1h43
